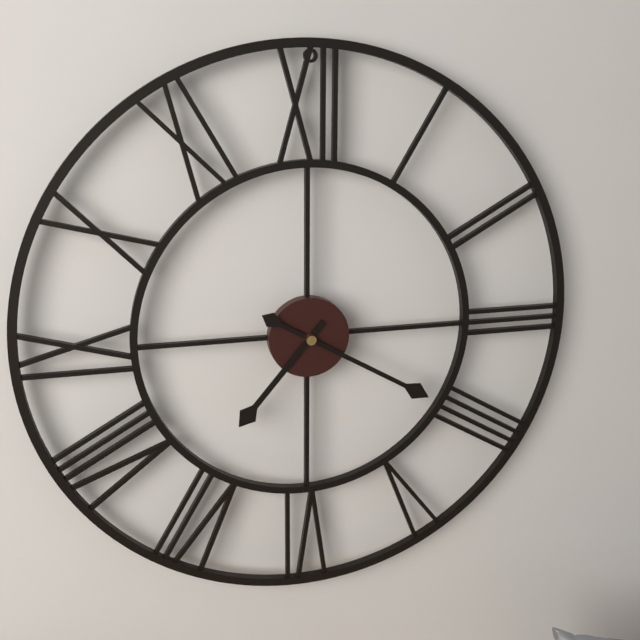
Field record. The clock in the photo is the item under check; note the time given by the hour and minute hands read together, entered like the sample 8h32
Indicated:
7h20
